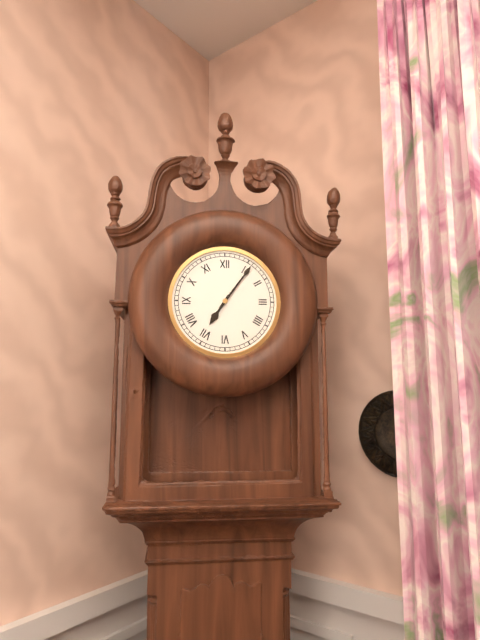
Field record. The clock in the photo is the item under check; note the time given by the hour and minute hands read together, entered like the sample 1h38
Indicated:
7h06
